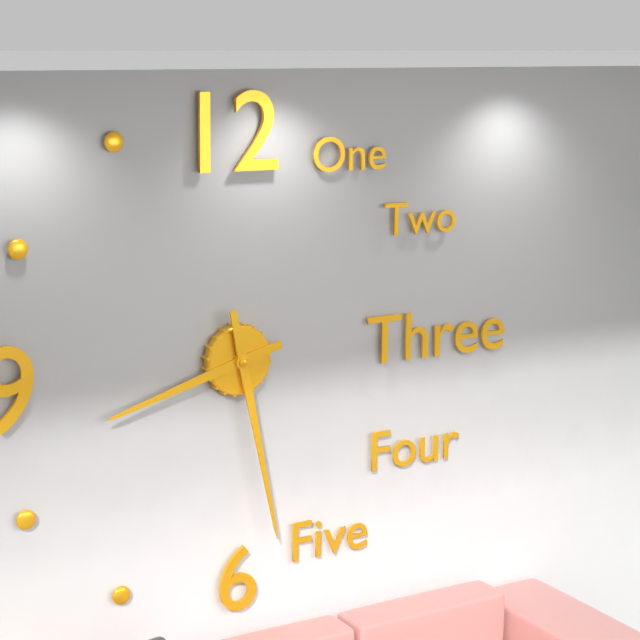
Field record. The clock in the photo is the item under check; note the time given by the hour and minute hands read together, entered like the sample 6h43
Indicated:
8h28
